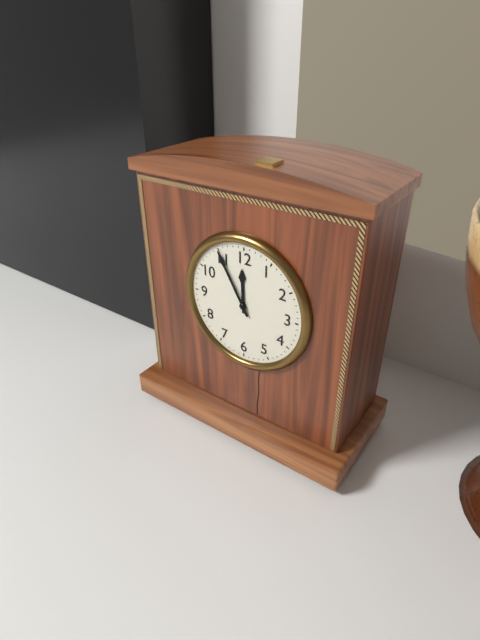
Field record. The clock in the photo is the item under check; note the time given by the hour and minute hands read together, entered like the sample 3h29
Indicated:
11h55
